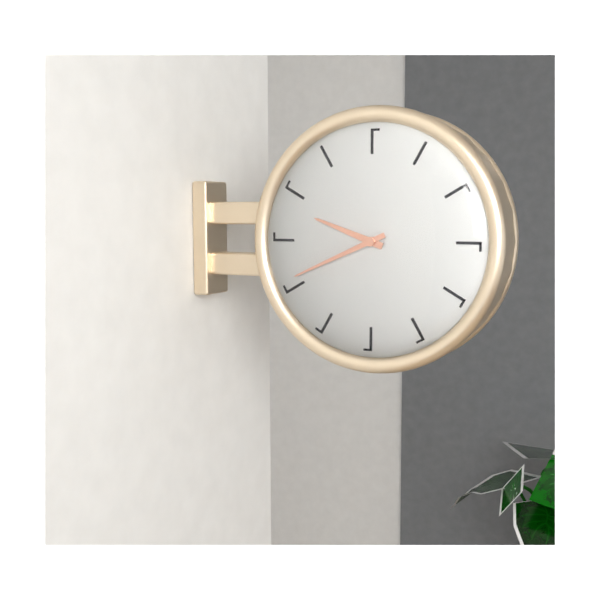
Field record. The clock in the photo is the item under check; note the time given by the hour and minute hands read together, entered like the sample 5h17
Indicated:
9h41
